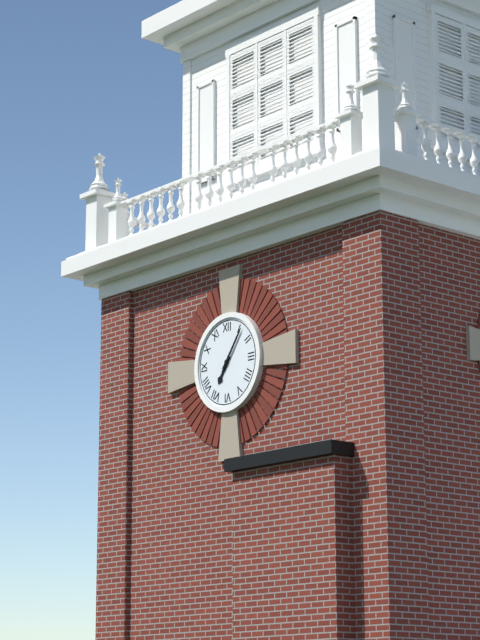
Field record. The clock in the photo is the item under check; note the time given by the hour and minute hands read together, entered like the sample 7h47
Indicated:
7h06
